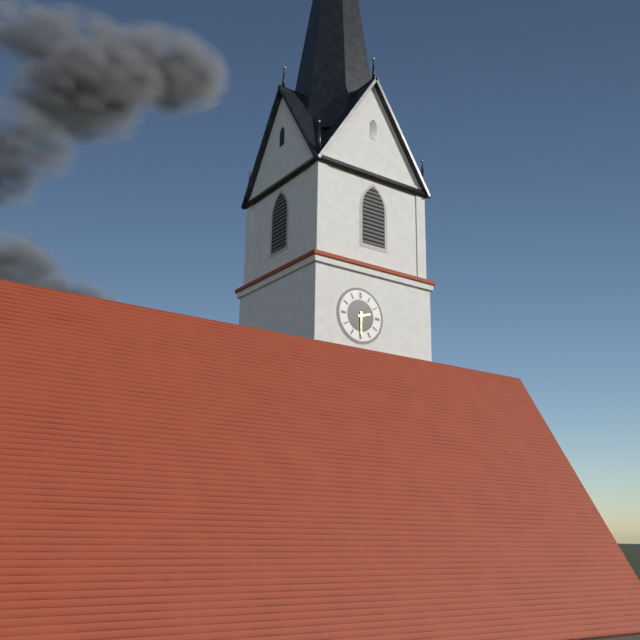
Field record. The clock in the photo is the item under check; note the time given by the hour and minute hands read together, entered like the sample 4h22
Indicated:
2h30
